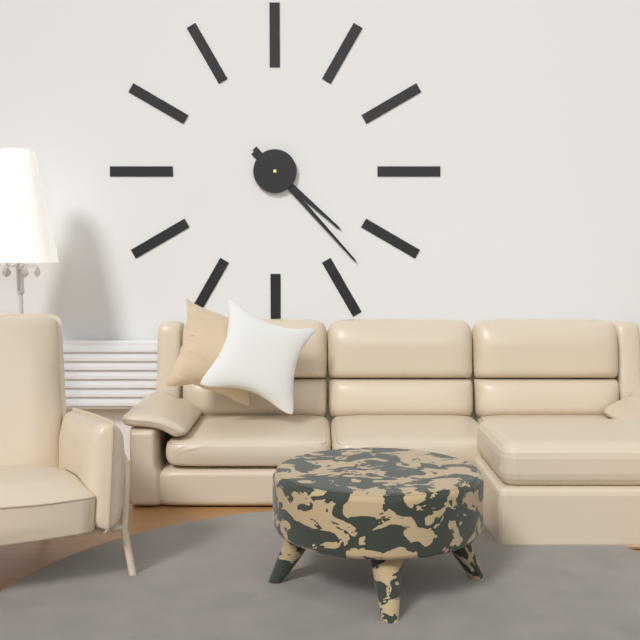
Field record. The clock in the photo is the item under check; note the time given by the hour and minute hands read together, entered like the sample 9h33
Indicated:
4h23
